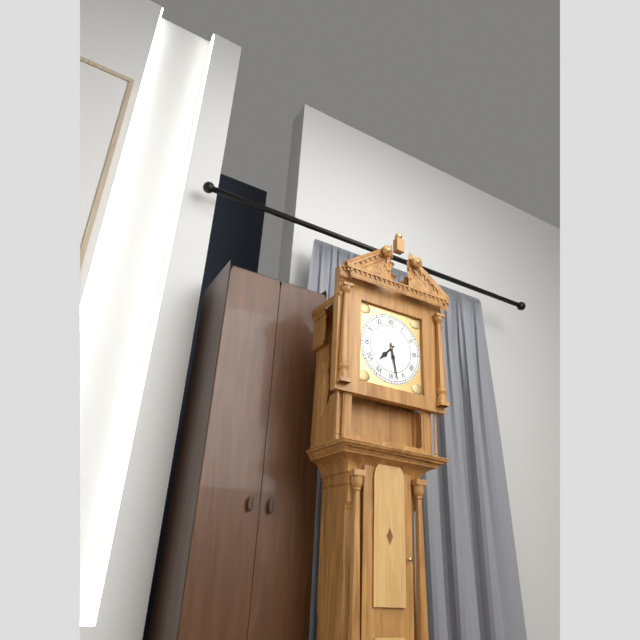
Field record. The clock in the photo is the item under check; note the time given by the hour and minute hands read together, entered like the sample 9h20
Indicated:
7h28
